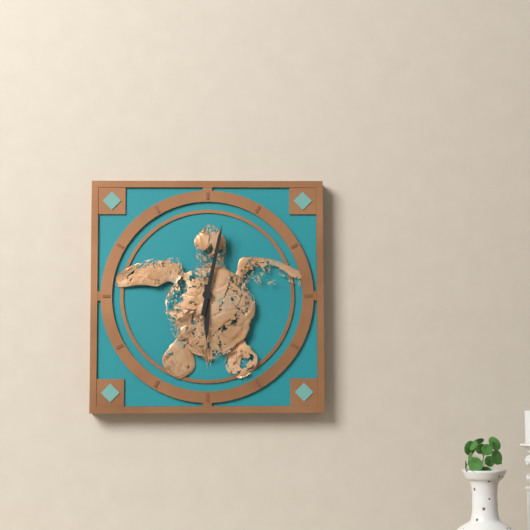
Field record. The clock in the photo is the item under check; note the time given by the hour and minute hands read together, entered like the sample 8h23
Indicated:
6h02
